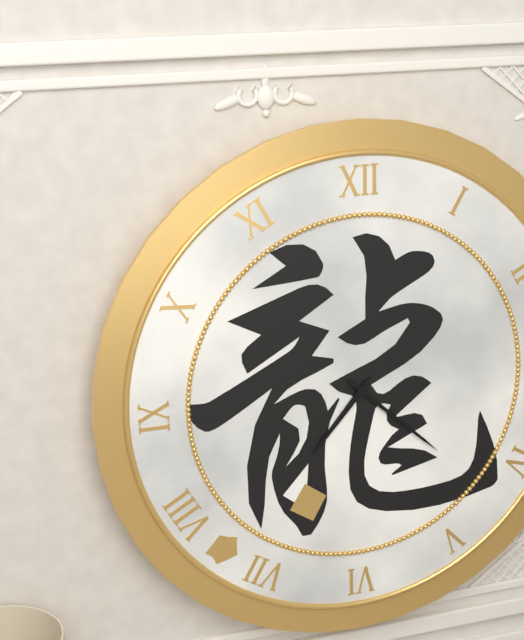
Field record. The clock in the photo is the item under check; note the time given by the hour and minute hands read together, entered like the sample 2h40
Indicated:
7h22
